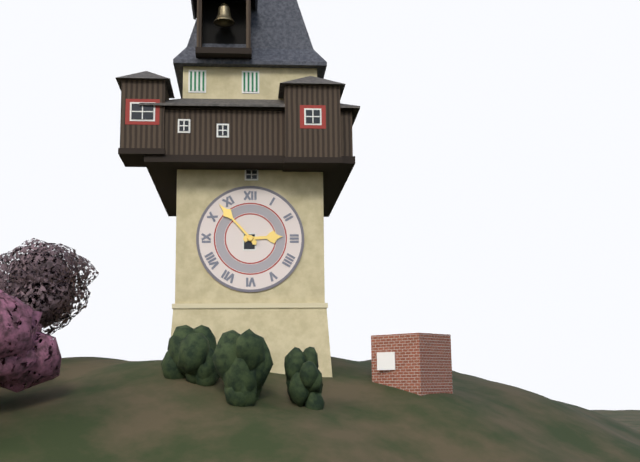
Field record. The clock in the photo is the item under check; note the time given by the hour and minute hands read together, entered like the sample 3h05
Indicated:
2h53
